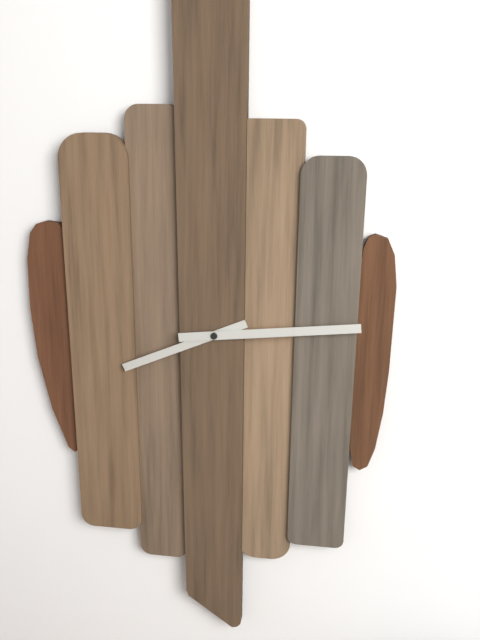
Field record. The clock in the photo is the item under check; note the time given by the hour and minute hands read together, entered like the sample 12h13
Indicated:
8h14
